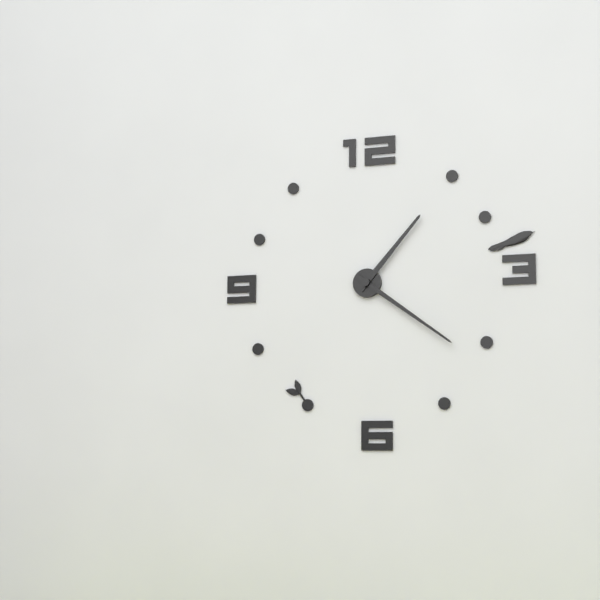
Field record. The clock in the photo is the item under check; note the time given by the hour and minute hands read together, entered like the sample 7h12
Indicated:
1h21
